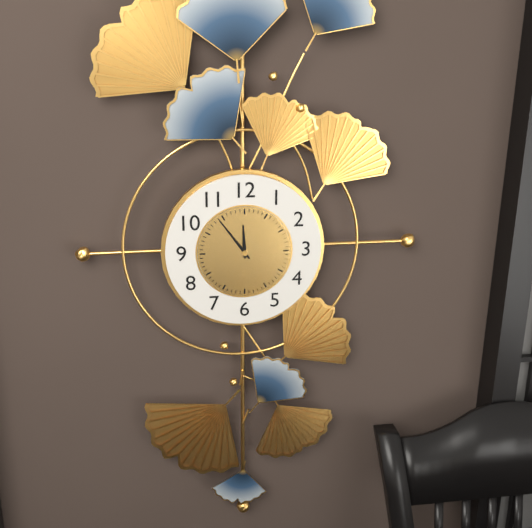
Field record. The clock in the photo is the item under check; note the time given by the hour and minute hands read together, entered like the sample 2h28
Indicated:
11h54
